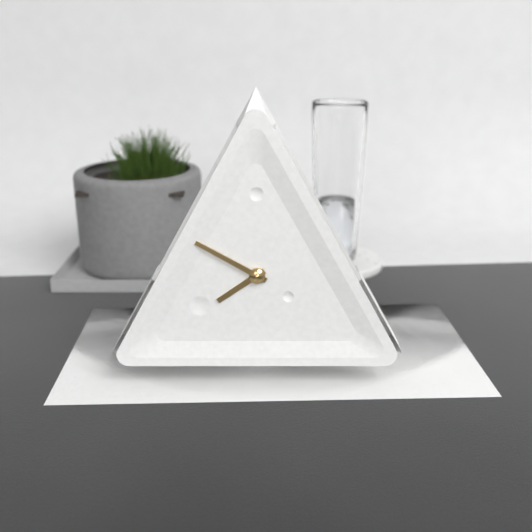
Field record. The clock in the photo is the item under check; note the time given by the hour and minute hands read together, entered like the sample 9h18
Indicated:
7h50
